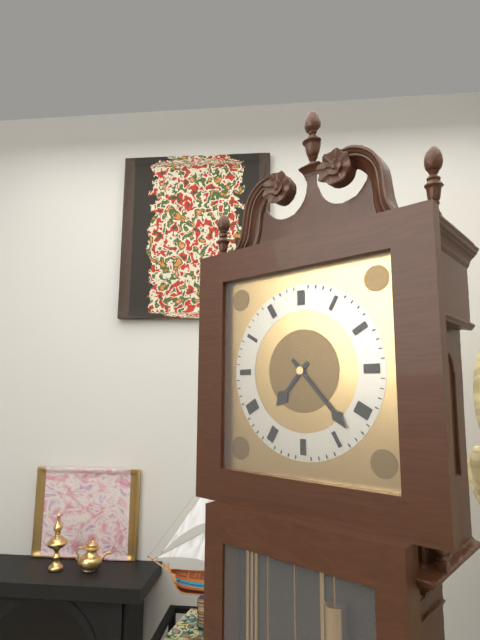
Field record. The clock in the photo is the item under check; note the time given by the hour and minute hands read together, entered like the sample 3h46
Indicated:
7h23
